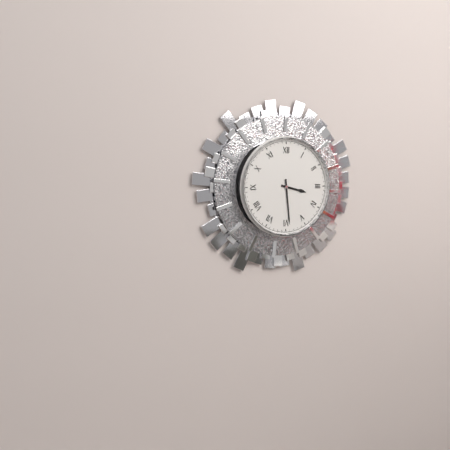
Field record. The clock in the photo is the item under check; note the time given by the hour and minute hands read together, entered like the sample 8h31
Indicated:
3h29
